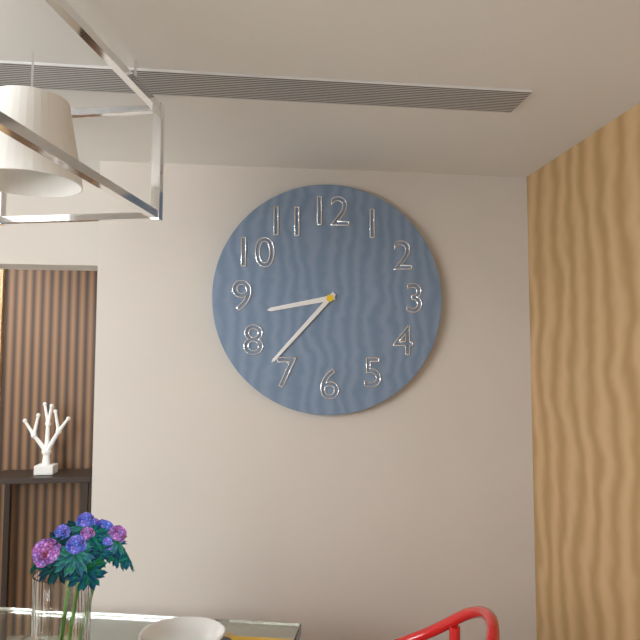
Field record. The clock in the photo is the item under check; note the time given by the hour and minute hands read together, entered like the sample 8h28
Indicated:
8h37
